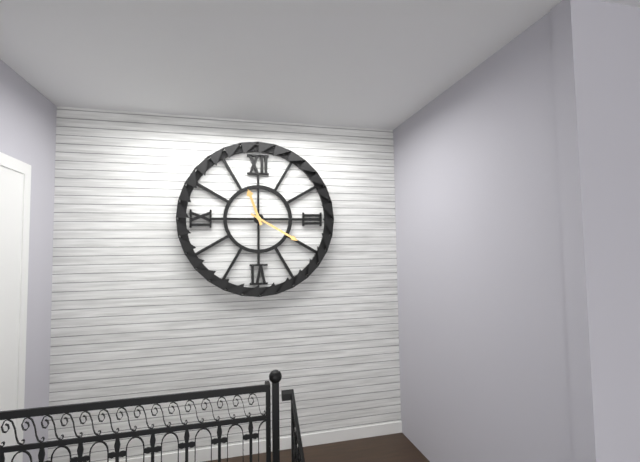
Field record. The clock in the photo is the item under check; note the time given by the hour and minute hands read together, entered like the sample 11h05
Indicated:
11h20
